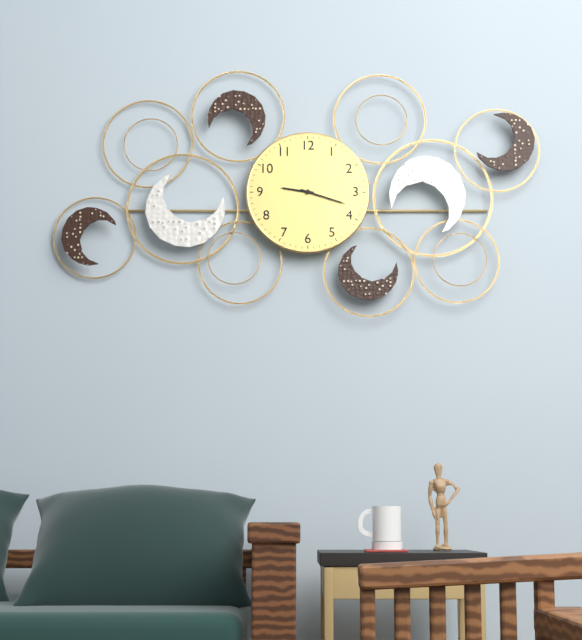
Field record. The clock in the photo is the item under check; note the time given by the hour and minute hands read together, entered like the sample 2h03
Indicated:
9h18
